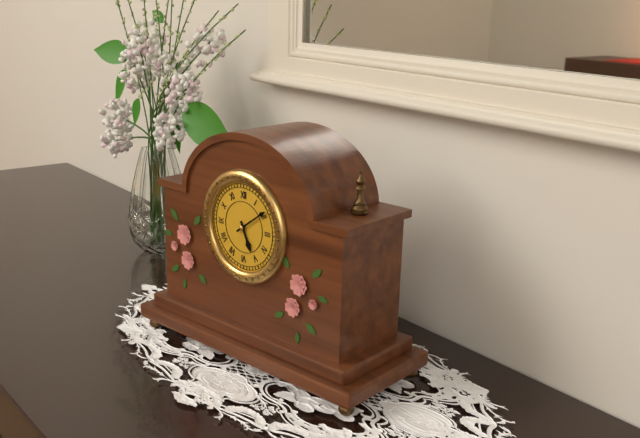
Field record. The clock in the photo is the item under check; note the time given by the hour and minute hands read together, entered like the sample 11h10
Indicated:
5h09
